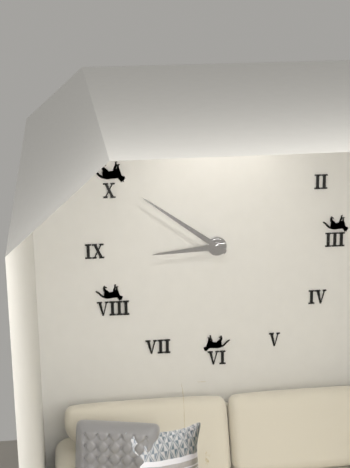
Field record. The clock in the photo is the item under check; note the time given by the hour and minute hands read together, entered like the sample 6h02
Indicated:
8h51
